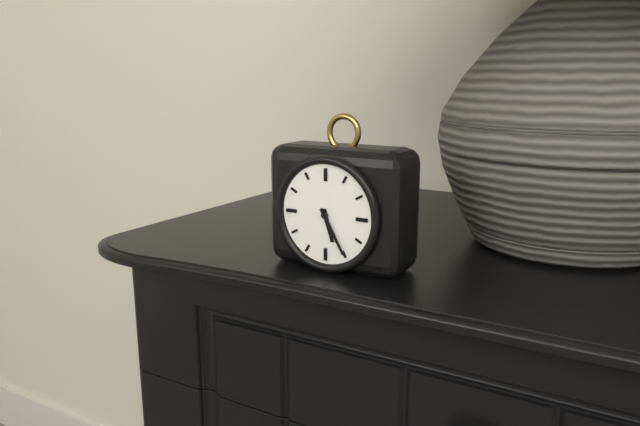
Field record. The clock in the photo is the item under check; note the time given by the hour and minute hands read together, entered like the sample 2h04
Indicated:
5h25
